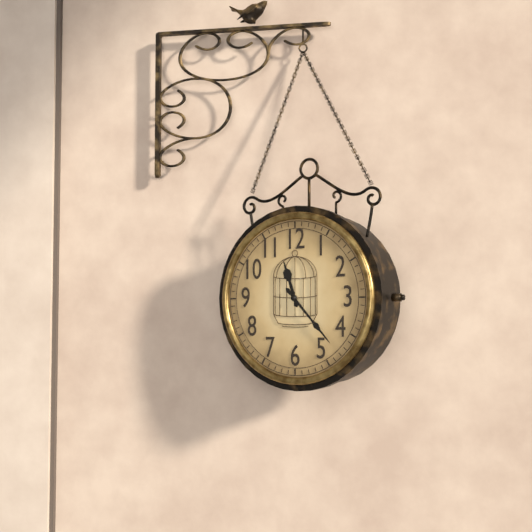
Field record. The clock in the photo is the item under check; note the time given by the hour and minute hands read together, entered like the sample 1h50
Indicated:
11h23
